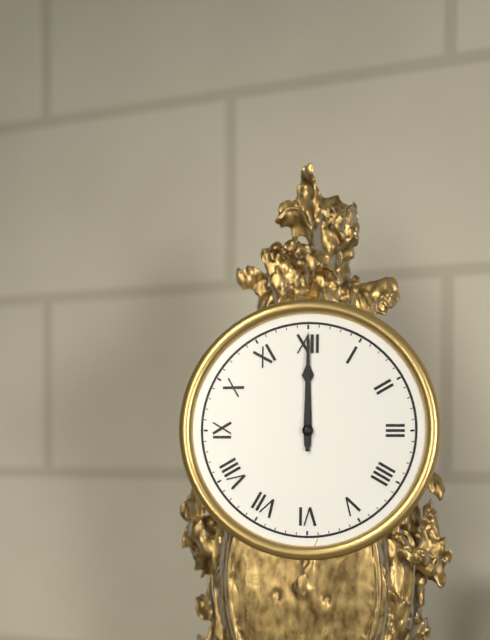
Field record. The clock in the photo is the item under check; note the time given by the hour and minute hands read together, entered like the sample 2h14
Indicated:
12h00
